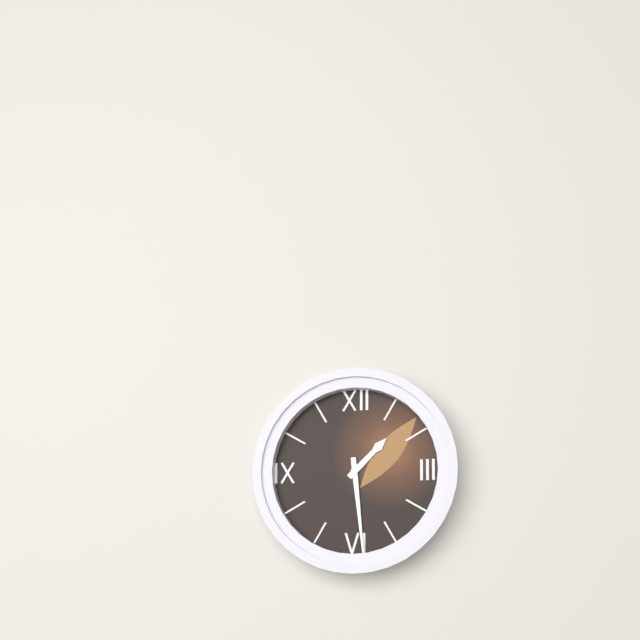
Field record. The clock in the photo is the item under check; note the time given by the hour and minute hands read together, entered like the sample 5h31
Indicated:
1h29
